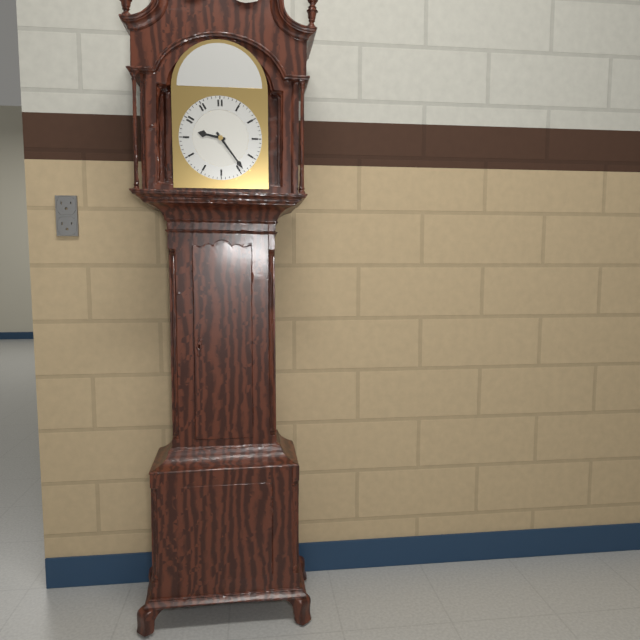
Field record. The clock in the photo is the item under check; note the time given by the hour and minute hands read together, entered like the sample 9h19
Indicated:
9h24
